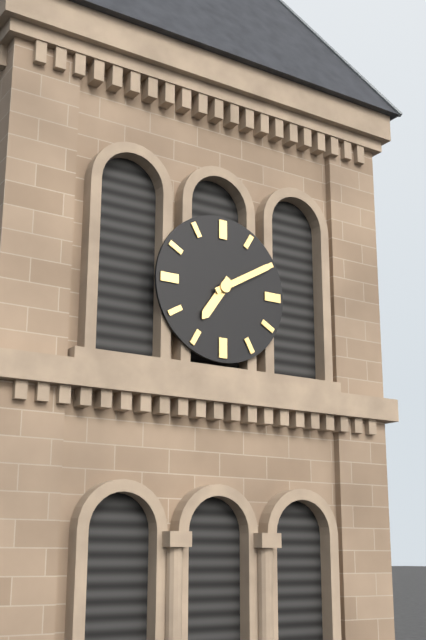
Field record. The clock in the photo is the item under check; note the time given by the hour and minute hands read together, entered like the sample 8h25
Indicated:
7h10
